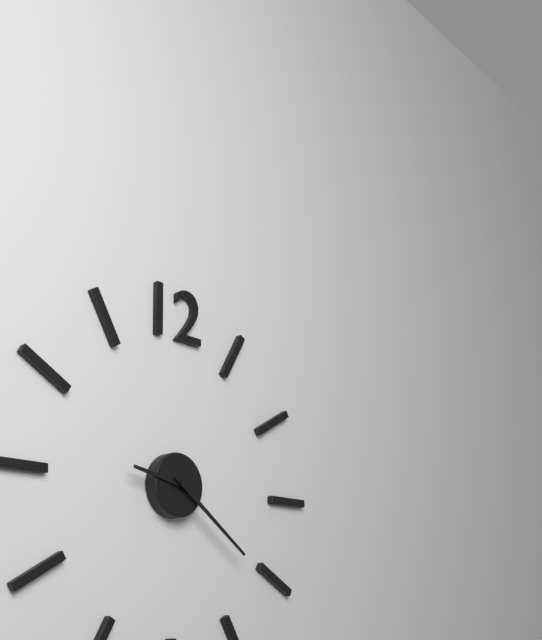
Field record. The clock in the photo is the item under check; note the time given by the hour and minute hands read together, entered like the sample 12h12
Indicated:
9h21
